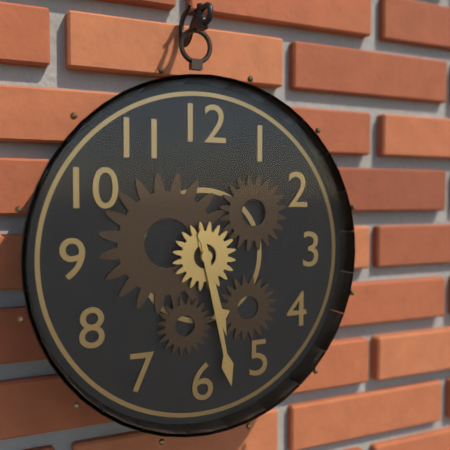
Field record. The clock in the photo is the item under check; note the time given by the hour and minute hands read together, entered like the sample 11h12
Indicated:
5h28
